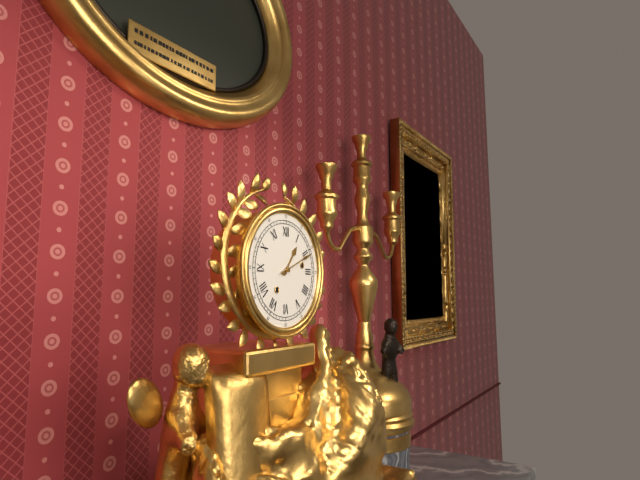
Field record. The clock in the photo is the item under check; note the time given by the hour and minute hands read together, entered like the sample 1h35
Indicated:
1h11
